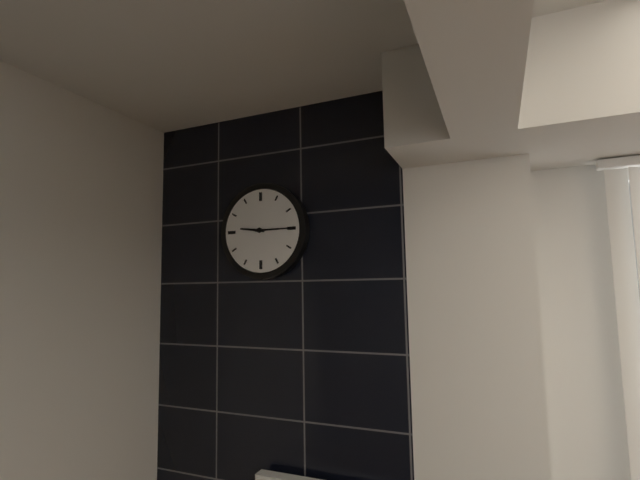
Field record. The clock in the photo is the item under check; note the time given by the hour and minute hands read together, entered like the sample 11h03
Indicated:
9h15
